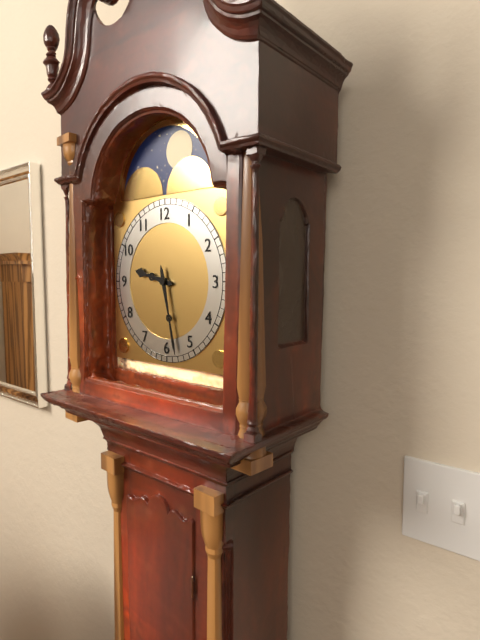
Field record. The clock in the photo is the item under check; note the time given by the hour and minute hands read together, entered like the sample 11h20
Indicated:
9h28
